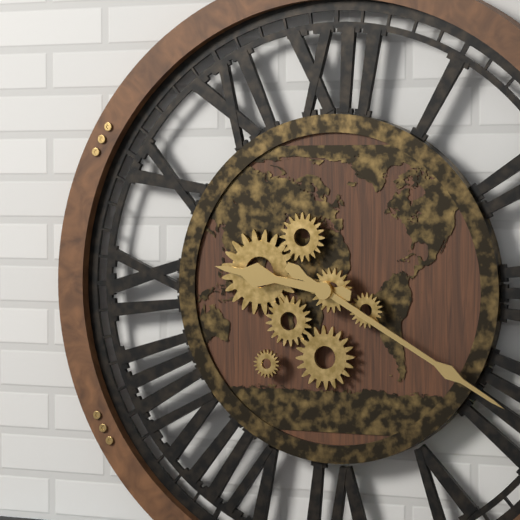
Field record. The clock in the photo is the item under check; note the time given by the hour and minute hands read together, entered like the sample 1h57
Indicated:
9h20
